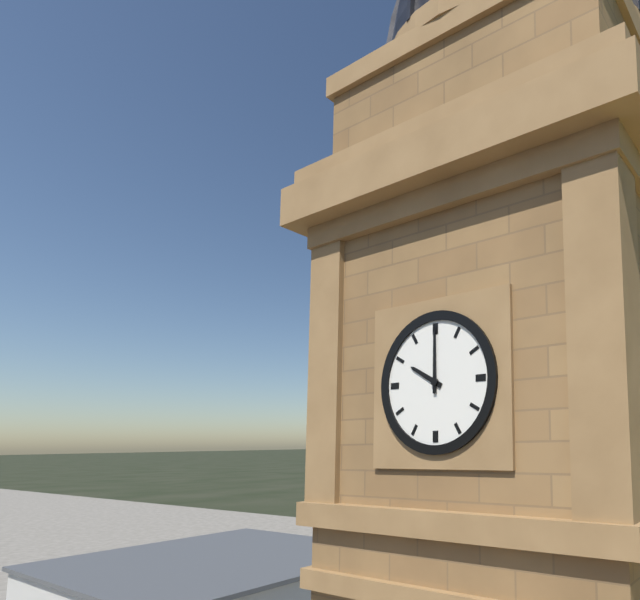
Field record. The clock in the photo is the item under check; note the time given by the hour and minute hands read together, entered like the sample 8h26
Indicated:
10h00
